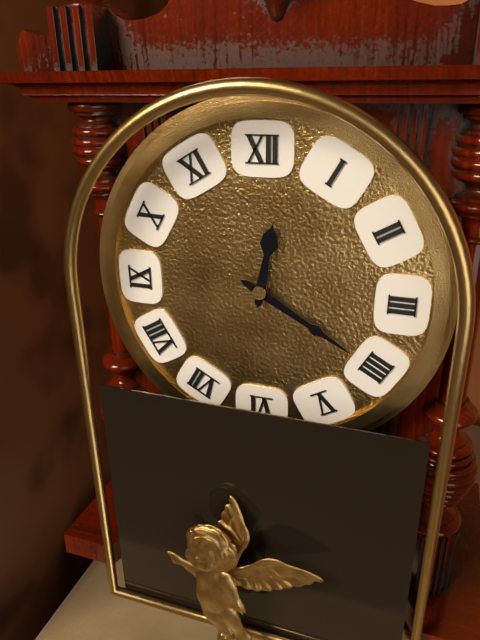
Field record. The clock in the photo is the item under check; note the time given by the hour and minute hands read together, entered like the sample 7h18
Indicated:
12h20
